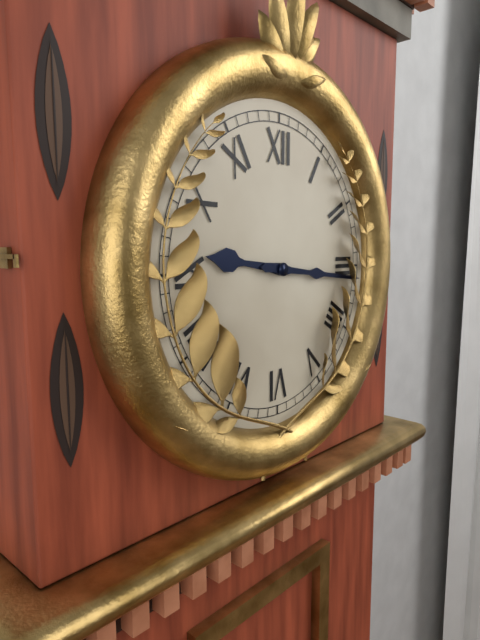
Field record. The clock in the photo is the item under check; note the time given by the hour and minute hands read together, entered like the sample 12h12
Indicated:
9h16
